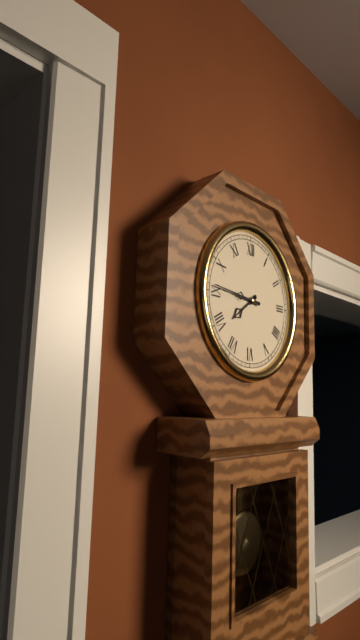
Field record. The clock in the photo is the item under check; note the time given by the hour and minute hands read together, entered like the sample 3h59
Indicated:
7h46
